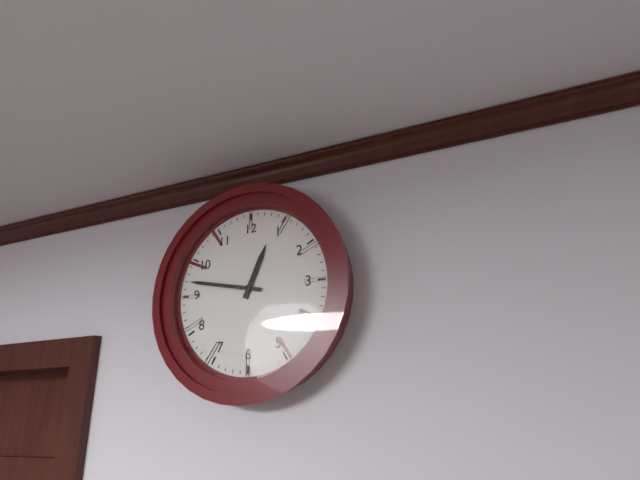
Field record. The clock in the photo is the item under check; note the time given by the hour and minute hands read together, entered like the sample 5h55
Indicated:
12h47
